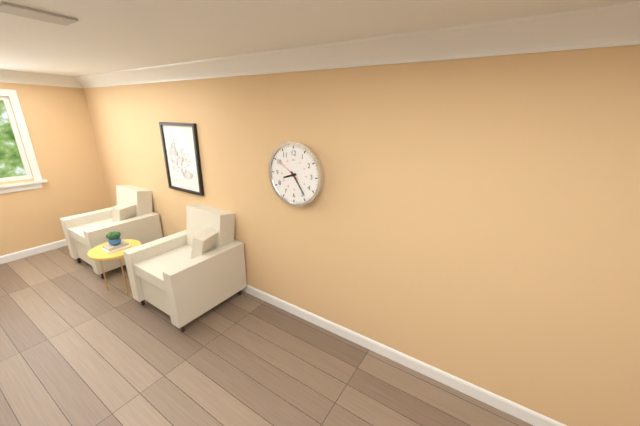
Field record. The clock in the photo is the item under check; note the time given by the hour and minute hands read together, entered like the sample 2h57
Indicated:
8h24
